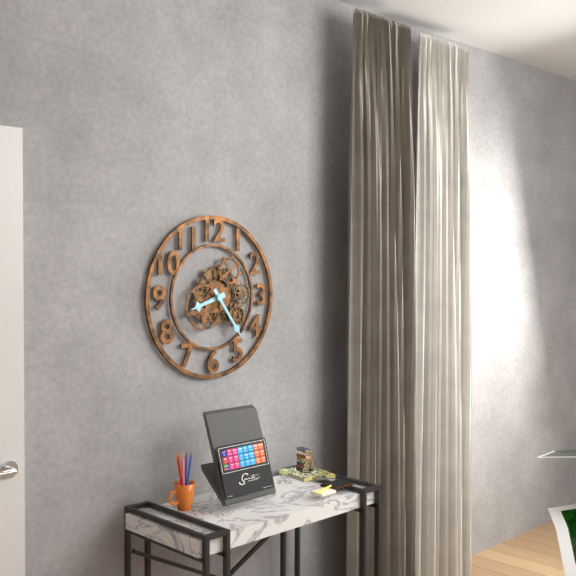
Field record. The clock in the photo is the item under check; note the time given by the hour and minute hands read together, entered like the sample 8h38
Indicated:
8h24
